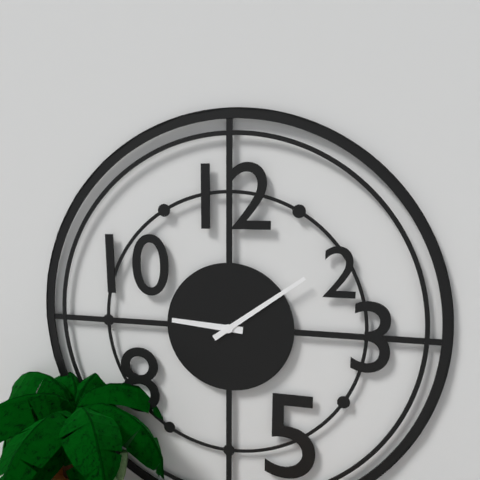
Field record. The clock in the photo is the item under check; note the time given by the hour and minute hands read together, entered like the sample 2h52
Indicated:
9h09
